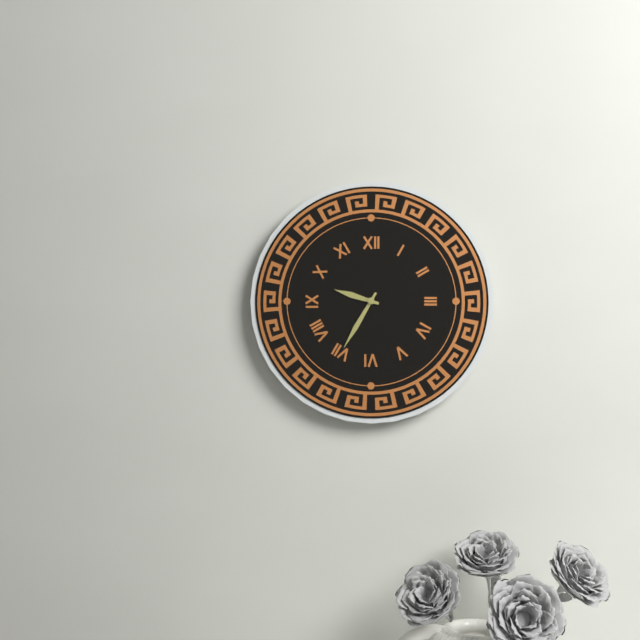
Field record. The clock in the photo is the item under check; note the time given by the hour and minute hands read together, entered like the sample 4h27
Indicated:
9h35
